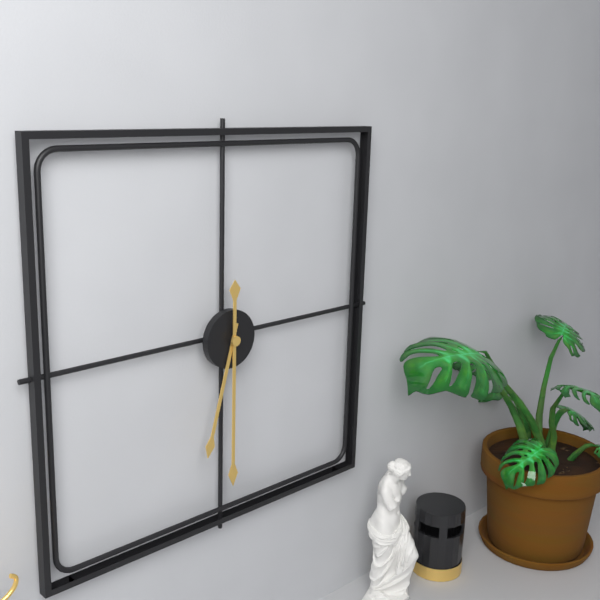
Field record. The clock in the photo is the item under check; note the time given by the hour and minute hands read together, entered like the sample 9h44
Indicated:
6h30
